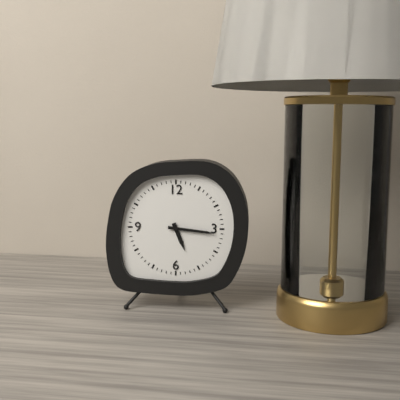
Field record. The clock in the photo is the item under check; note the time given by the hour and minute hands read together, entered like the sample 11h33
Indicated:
5h16
